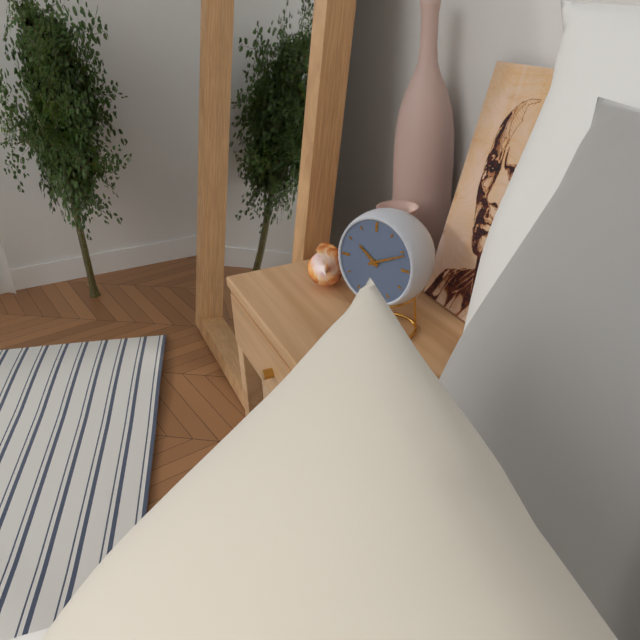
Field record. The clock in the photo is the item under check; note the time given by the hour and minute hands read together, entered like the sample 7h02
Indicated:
10h11
